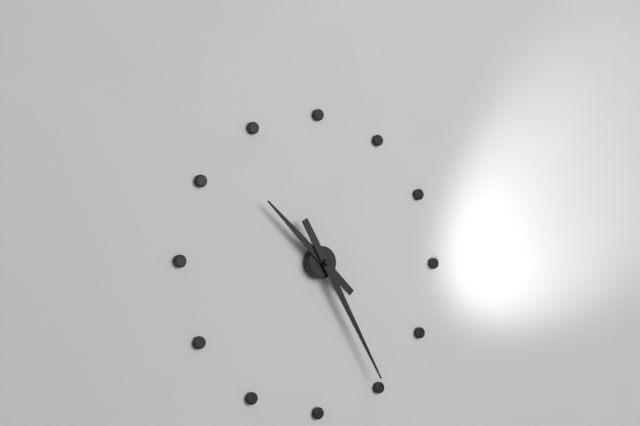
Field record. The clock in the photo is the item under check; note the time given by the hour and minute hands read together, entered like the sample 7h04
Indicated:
10h25
